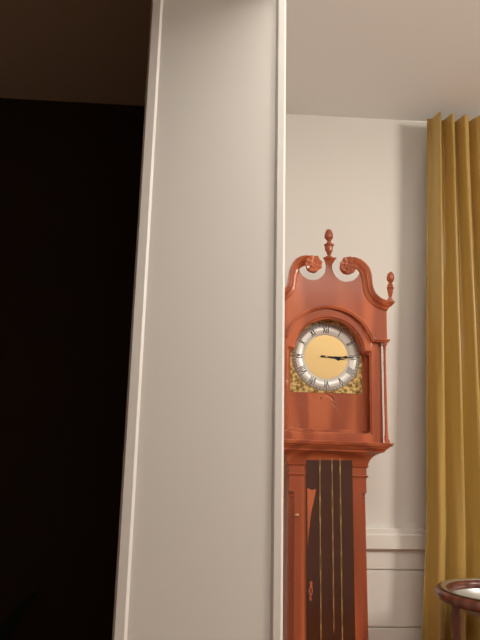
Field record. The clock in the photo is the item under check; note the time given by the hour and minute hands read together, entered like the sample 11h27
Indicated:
3h15
